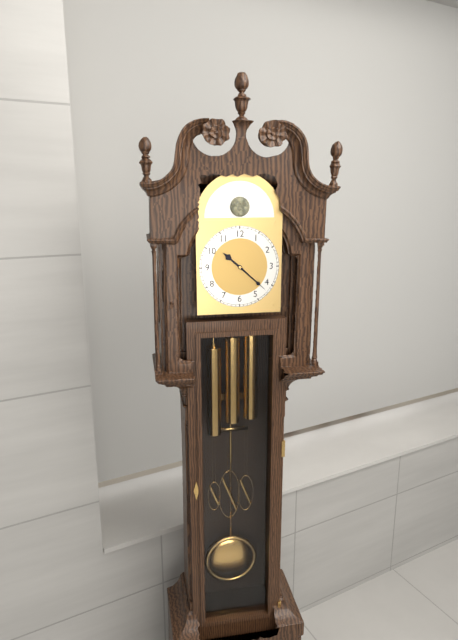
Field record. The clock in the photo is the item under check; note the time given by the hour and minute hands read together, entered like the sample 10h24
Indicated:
10h22
